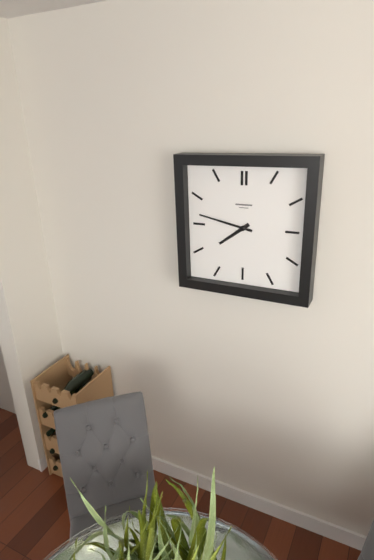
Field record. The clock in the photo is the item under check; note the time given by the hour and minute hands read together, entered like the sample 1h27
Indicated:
7h47
